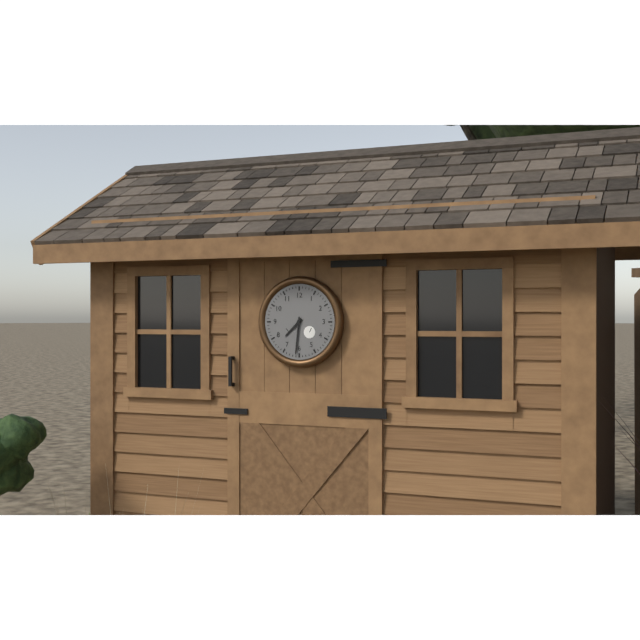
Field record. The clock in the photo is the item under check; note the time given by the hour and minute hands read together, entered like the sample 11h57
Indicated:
7h31
